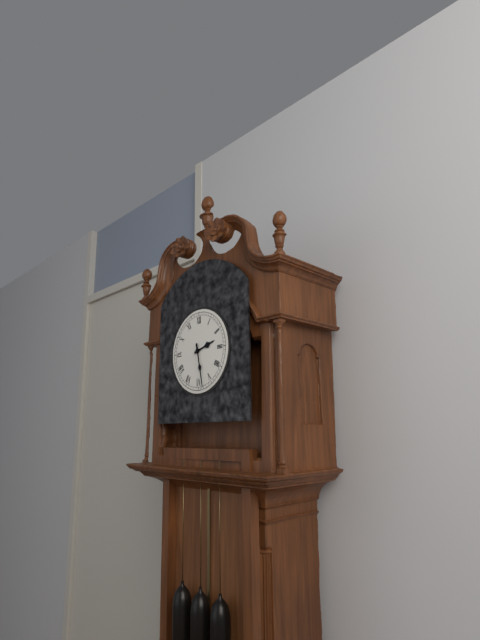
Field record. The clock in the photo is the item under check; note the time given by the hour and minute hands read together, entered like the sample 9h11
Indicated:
2h28
